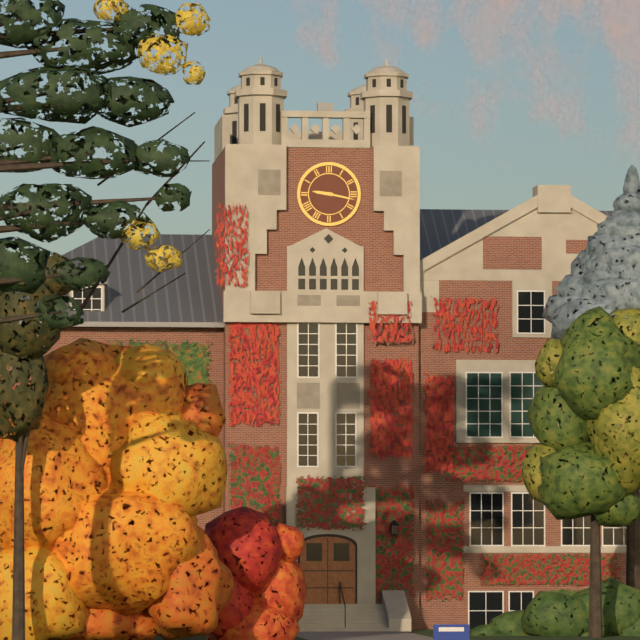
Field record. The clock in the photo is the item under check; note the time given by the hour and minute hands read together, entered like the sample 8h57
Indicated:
9h17
